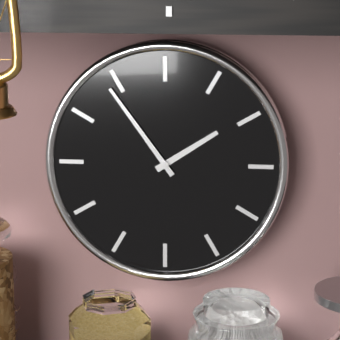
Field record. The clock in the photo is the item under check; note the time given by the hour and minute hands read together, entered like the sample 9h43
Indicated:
1h54
